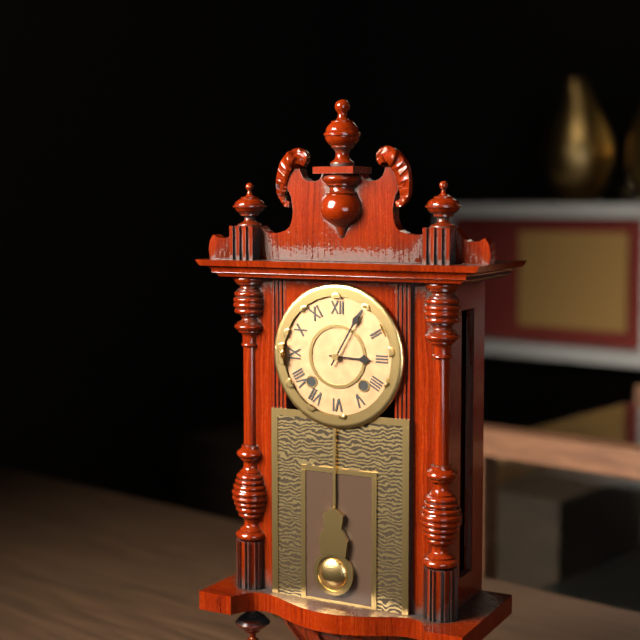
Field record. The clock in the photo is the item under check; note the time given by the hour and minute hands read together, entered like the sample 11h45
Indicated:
3h05
